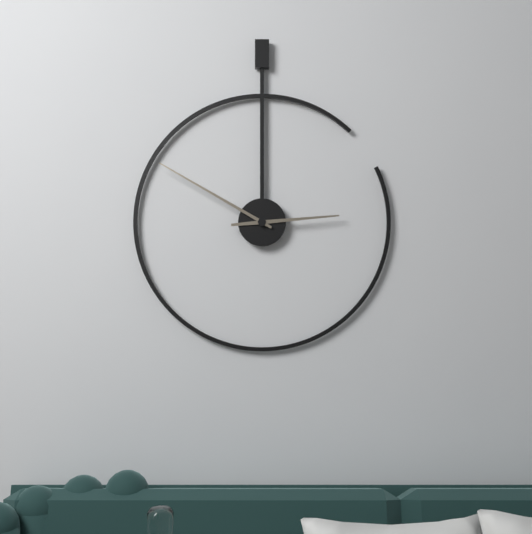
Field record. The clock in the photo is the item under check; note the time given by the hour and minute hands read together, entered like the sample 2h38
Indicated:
2h50
